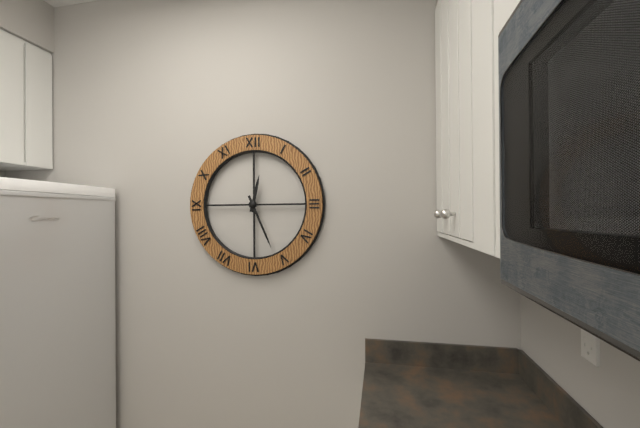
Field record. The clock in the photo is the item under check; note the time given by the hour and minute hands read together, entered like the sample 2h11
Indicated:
12h26
